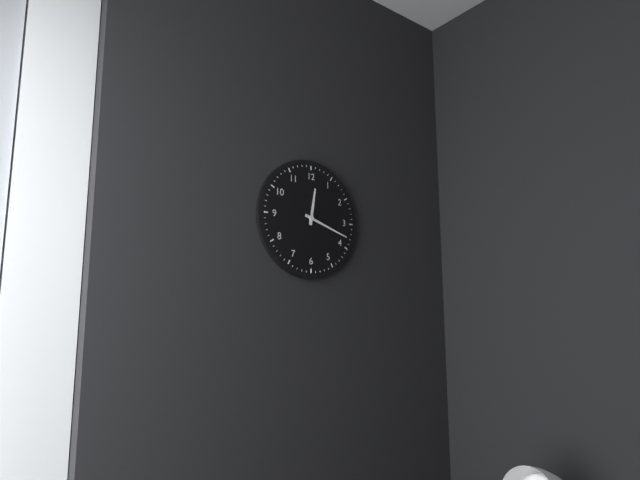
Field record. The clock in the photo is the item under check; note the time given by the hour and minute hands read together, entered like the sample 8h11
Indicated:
12h18
